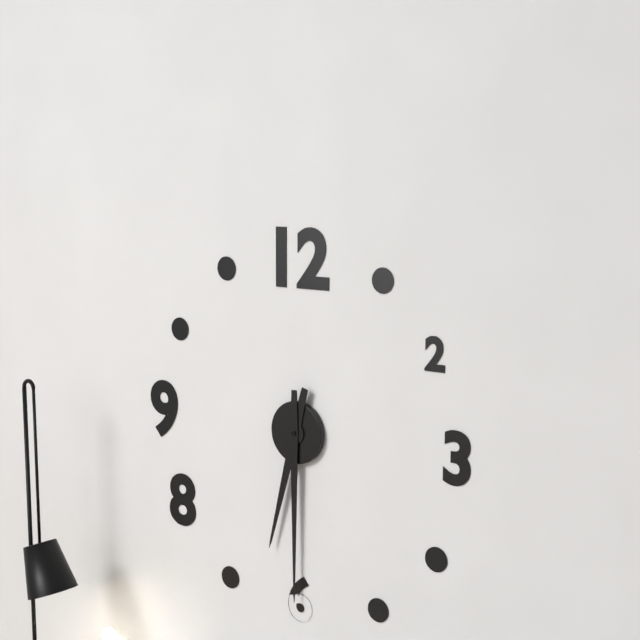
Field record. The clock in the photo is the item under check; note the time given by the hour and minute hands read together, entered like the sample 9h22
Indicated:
6h30
